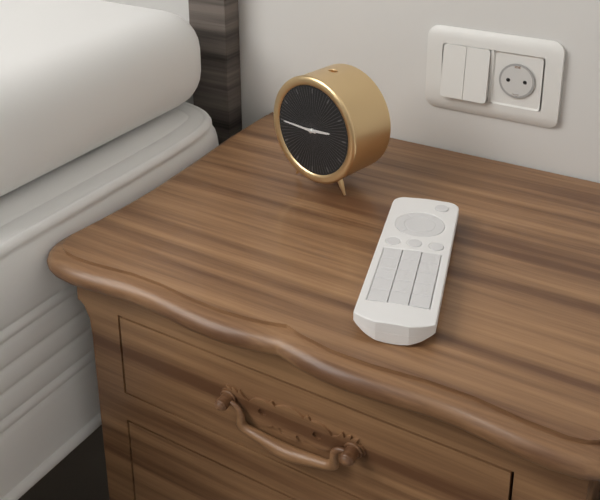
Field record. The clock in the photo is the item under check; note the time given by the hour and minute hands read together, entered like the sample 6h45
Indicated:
2h45
